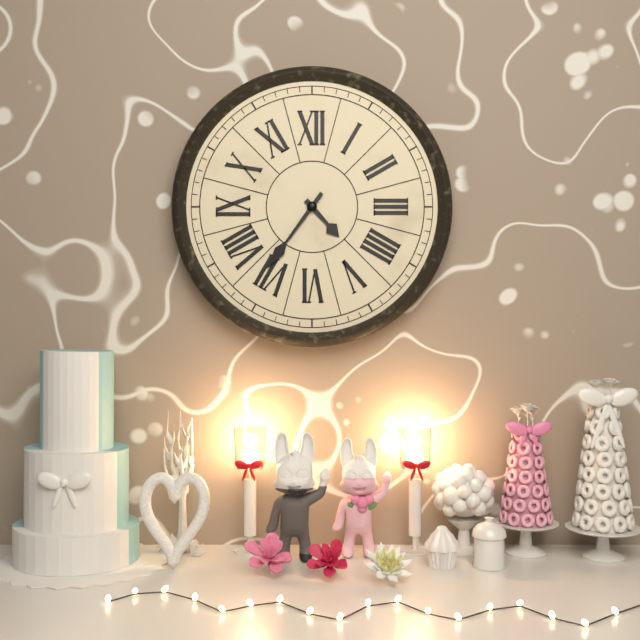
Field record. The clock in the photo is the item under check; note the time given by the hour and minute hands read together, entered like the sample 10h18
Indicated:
4h36
